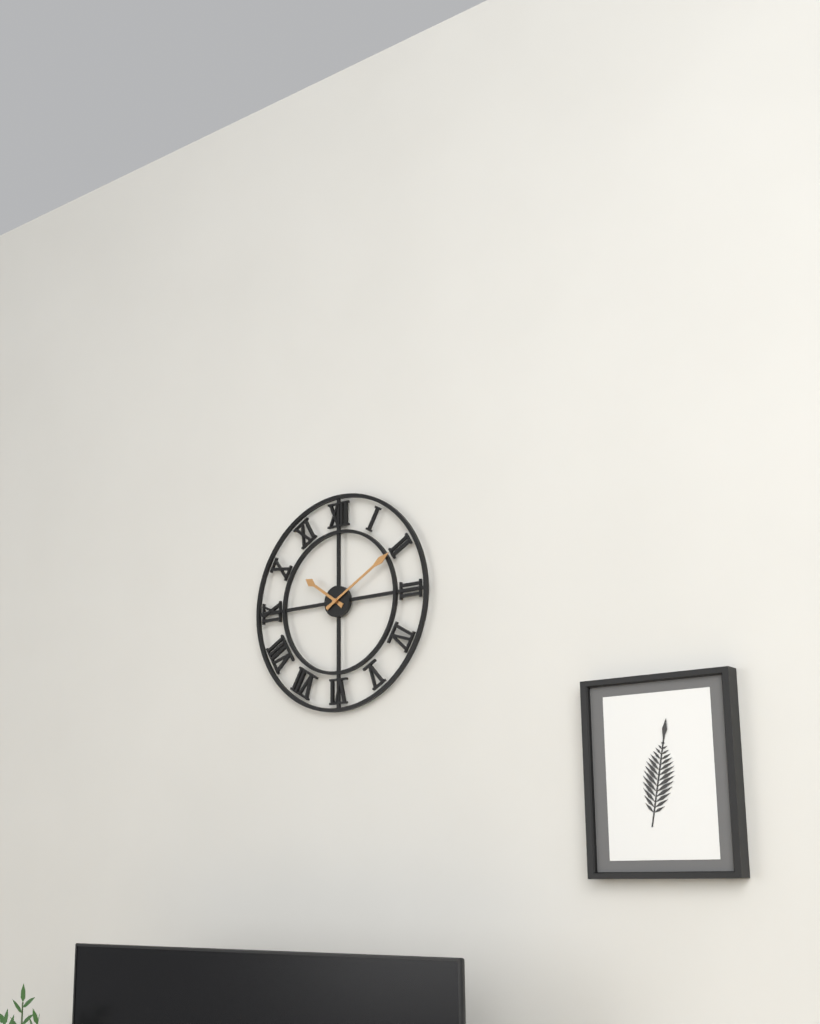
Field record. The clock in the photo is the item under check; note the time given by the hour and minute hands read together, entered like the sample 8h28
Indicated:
10h10
